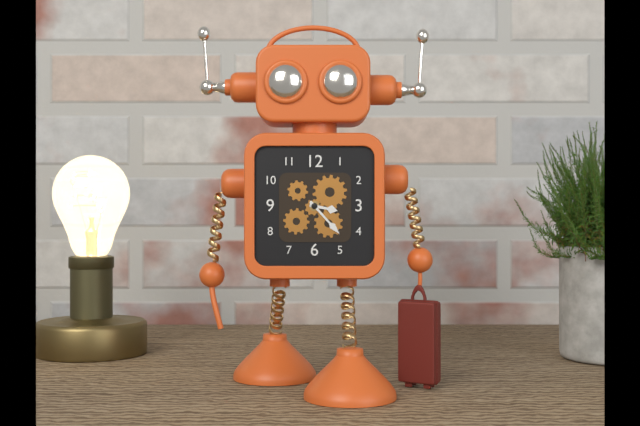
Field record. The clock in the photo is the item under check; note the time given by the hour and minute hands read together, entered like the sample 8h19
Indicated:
3h23
